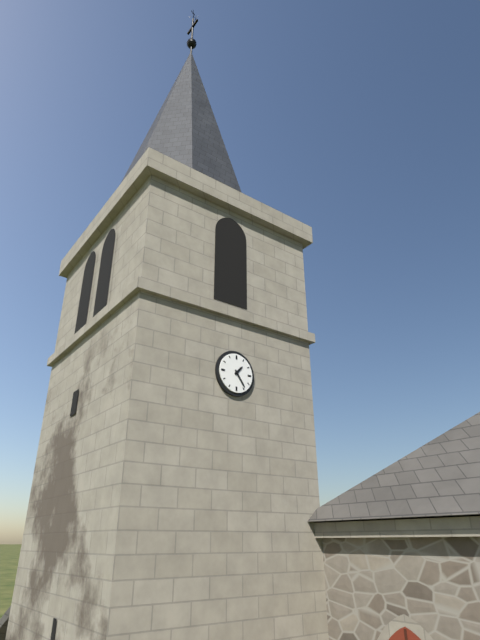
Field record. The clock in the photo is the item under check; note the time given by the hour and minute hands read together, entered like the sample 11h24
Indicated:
1h24
